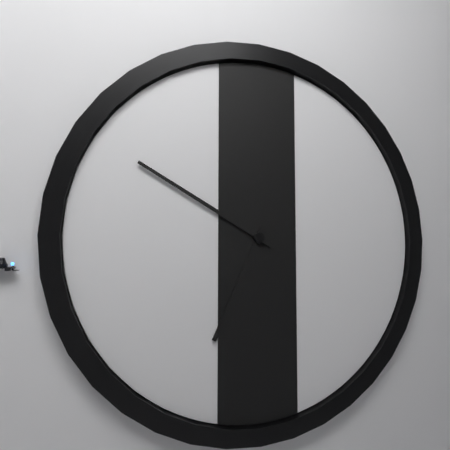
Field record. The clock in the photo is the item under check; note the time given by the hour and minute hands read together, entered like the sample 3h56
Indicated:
6h50
